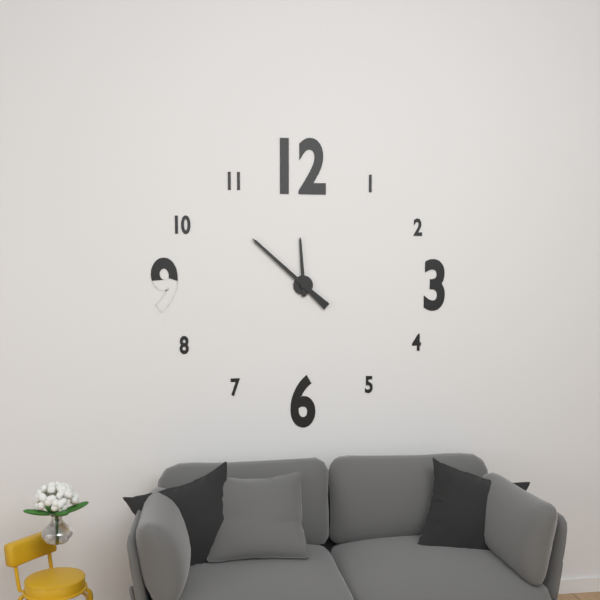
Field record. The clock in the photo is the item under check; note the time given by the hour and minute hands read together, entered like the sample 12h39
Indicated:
11h52
